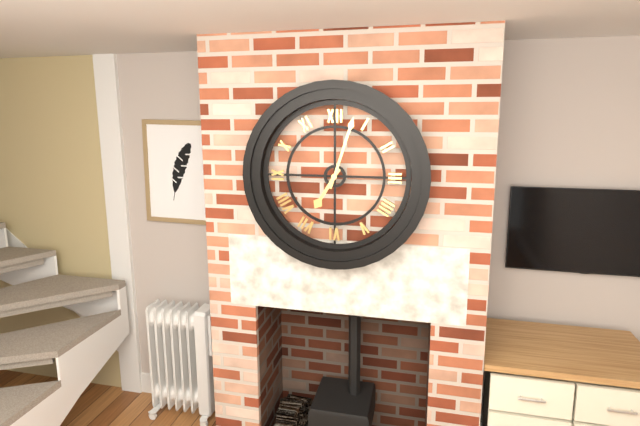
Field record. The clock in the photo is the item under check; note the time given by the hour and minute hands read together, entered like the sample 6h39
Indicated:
7h03
